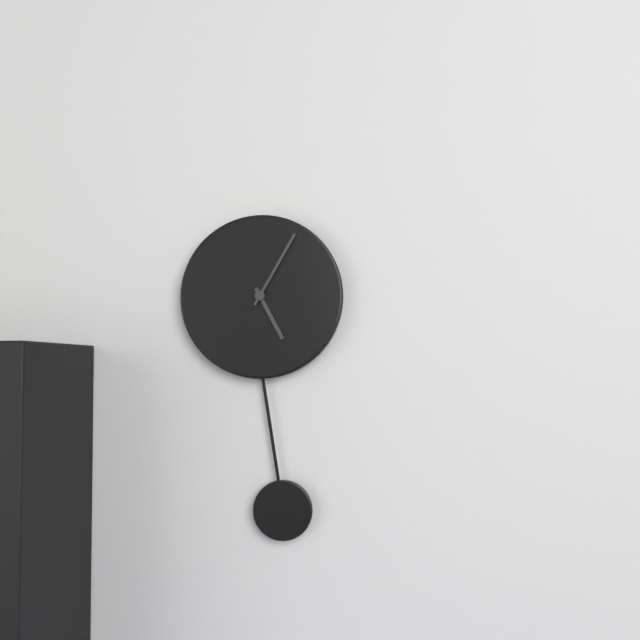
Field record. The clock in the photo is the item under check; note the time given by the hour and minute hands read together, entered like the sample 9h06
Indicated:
5h05
